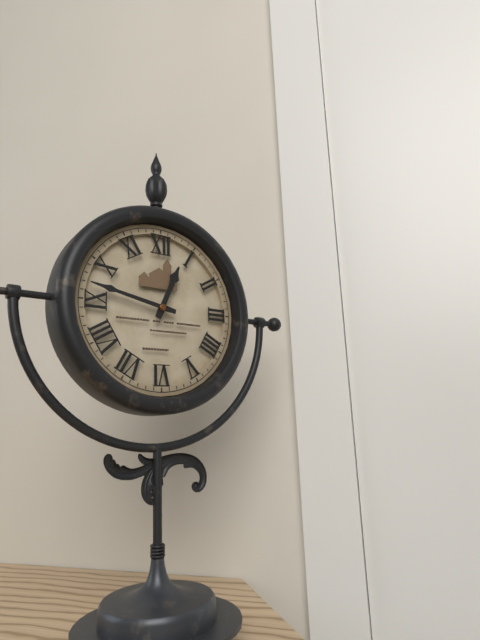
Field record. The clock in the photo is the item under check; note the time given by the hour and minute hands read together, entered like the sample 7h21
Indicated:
12h47
